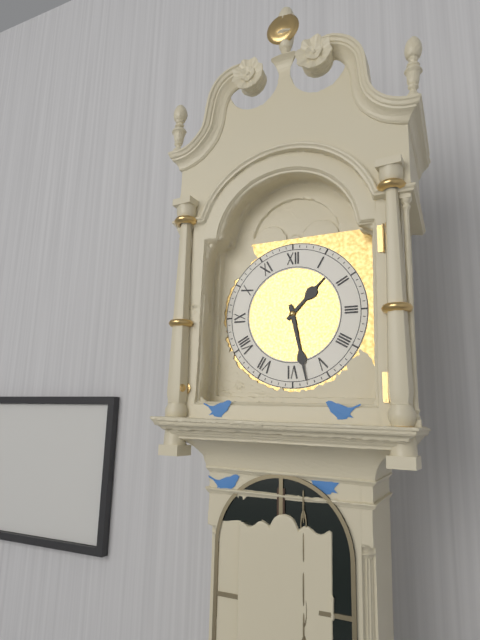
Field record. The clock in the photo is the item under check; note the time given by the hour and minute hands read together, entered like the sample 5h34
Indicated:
1h28
